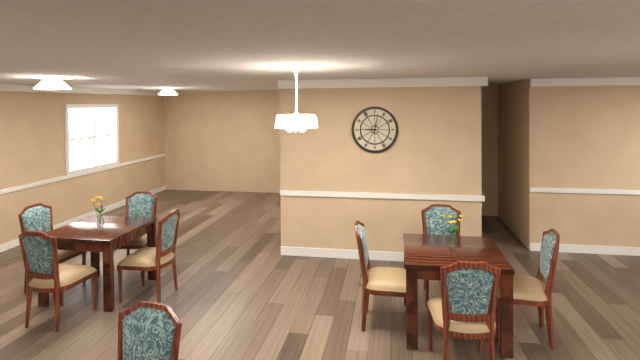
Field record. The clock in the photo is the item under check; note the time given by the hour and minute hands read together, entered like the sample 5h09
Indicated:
9h02
